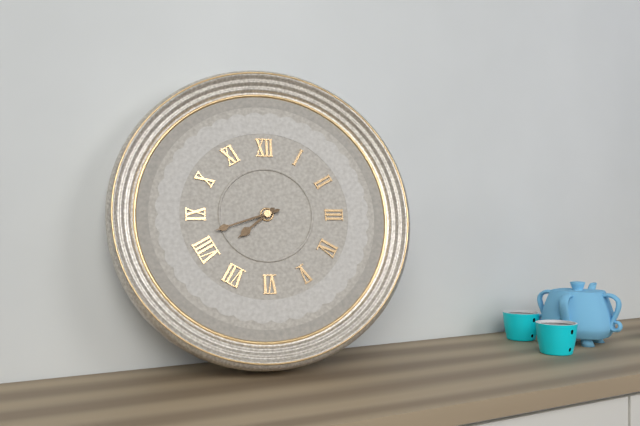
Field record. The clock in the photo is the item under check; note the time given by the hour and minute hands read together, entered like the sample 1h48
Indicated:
7h42
